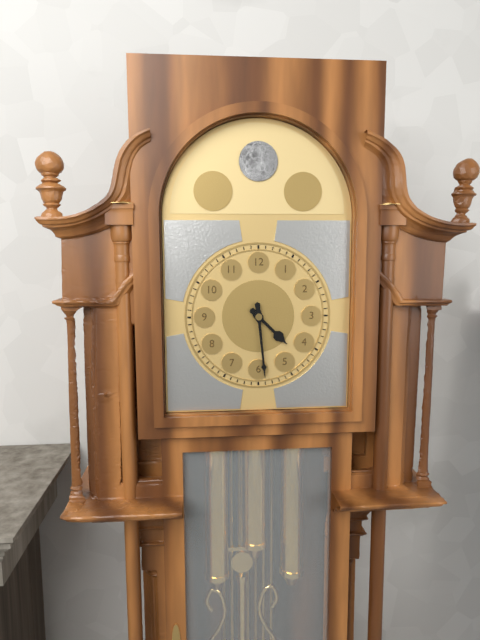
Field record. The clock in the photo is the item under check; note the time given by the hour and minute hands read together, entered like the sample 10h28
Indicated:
4h29
